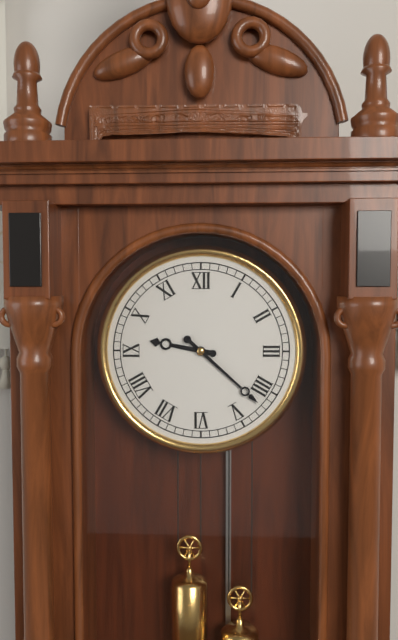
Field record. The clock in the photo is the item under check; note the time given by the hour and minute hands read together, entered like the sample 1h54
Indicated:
9h22
